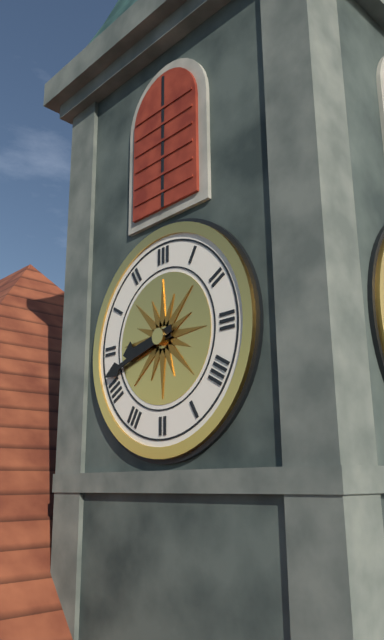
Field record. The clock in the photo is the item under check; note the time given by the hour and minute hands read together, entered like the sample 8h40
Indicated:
8h42
